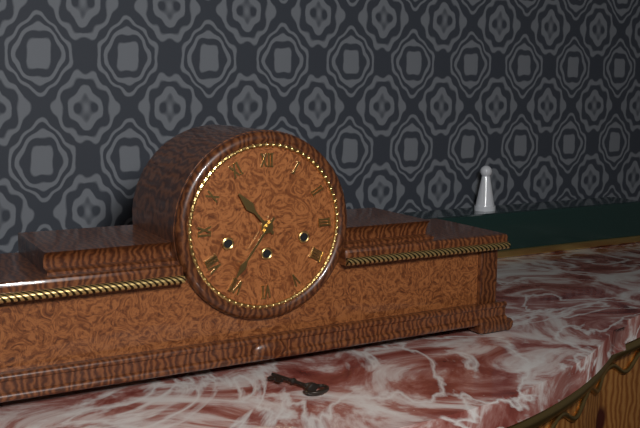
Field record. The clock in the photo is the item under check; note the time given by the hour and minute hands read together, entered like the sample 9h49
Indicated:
10h36
